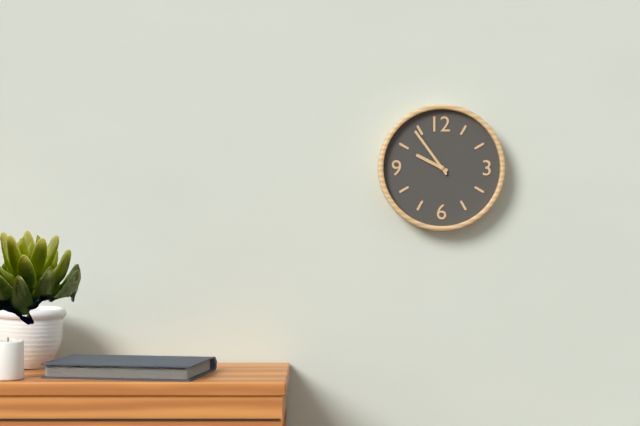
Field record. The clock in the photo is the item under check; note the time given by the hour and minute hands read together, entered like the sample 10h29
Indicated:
9h54
